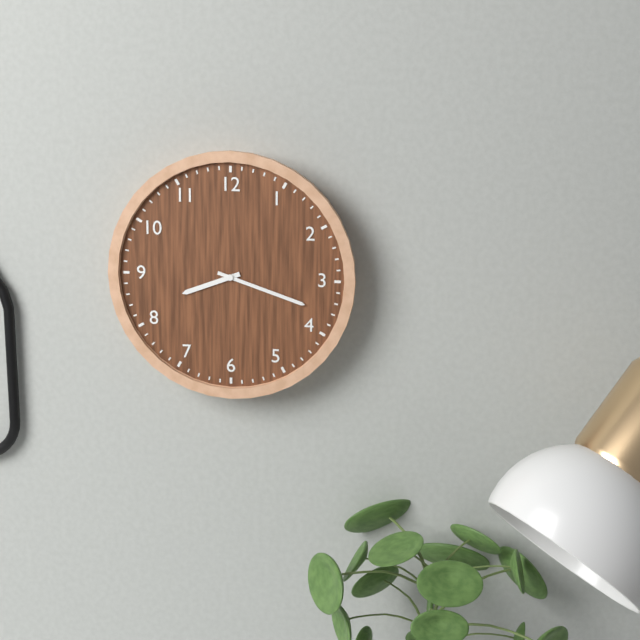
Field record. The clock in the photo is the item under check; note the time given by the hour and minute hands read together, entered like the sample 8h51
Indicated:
8h18
